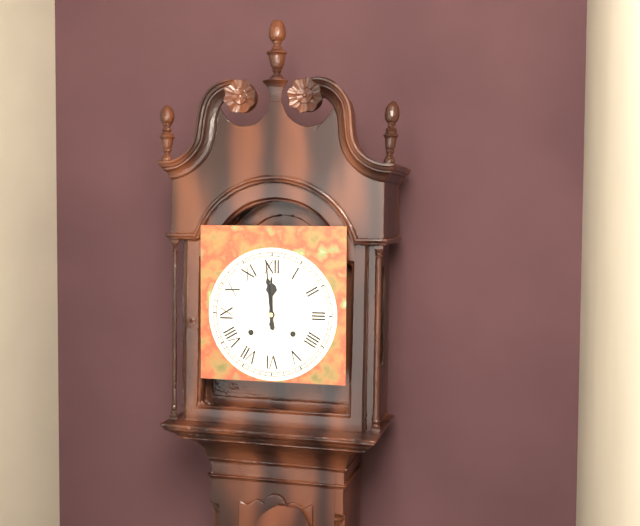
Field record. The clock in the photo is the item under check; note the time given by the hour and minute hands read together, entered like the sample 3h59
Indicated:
11h59
